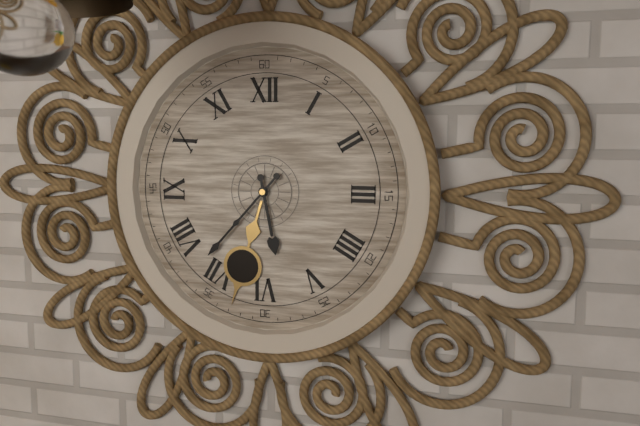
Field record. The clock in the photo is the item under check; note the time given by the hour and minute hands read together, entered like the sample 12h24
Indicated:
5h37
